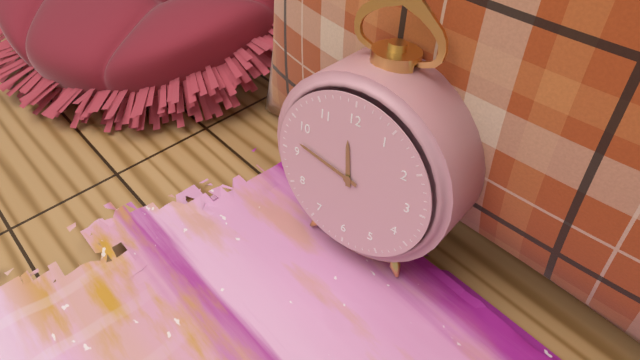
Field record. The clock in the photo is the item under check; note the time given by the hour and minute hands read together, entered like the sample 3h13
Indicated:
11h47
